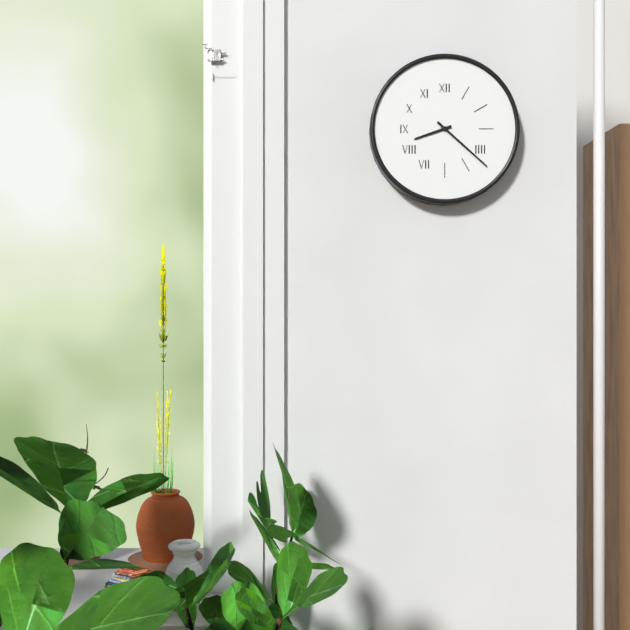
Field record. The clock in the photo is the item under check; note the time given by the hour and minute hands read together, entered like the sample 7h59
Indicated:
8h22
